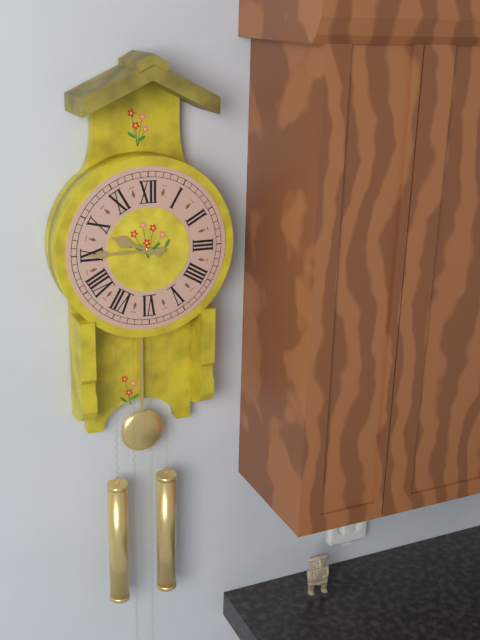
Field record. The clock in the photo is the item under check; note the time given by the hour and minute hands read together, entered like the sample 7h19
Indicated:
9h45
